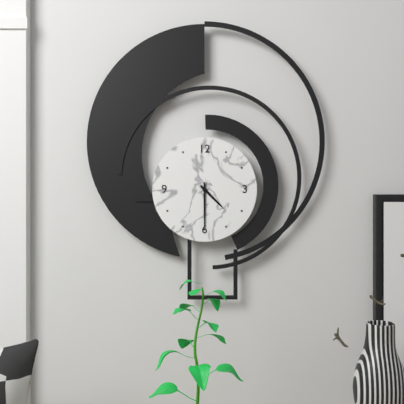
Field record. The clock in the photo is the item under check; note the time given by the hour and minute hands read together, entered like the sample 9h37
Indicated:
4h30
